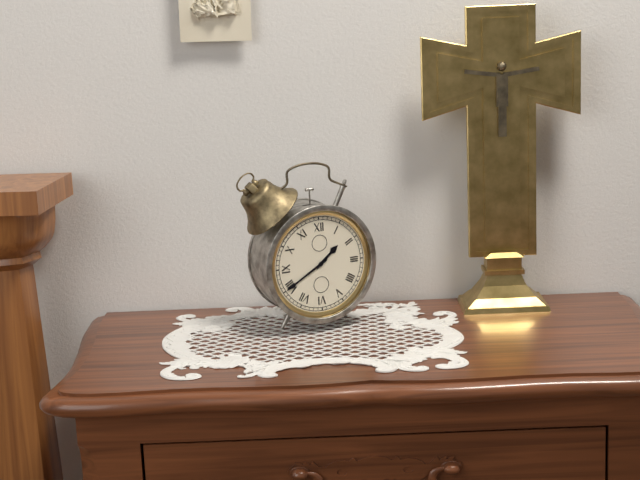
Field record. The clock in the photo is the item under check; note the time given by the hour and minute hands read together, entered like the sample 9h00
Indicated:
1h40
